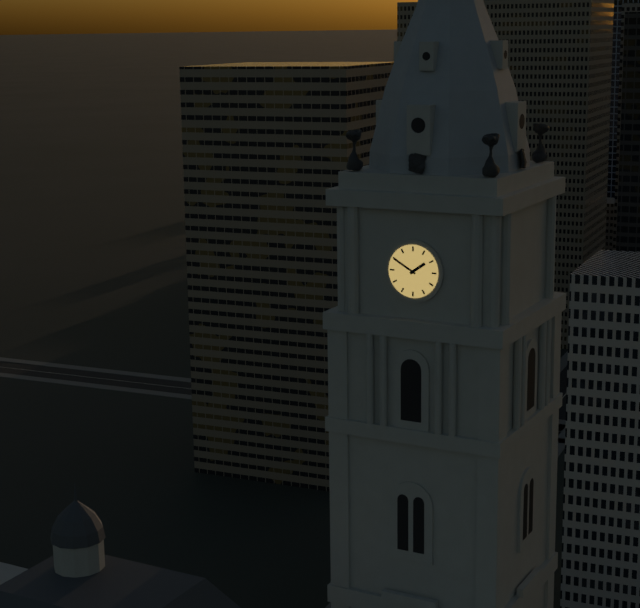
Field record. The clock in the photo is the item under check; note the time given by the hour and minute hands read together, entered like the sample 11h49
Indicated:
1h50
